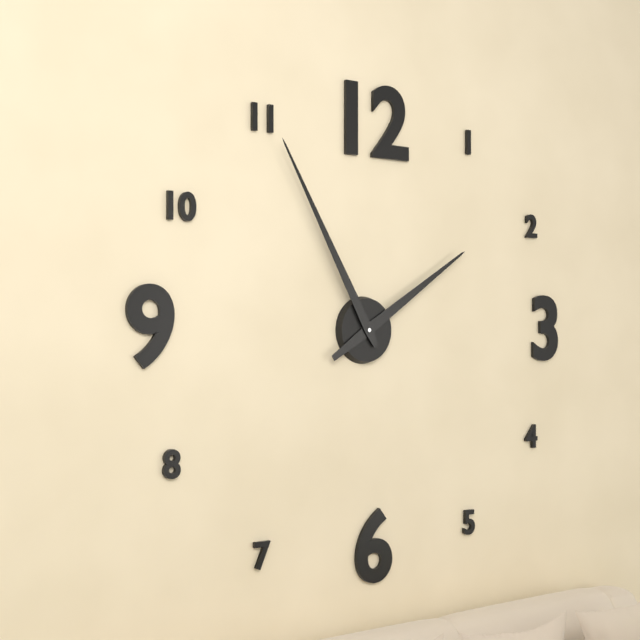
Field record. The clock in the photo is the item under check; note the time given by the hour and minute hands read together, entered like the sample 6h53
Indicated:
1h55
